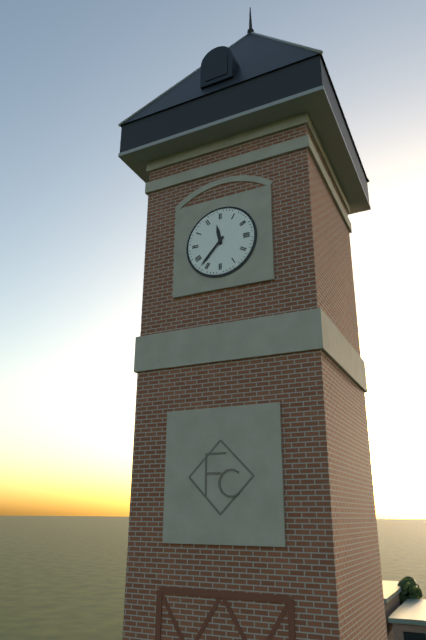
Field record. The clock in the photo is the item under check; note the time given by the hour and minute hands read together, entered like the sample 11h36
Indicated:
11h37
